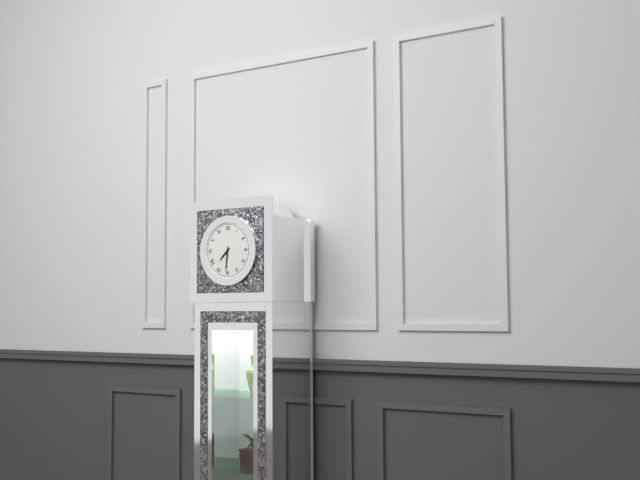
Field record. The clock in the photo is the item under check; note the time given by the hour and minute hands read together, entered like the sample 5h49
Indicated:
7h31
